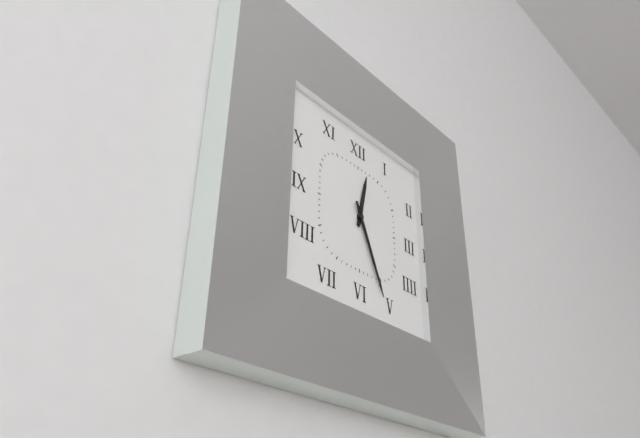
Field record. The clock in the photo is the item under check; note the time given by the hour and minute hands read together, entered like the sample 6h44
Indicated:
12h26
